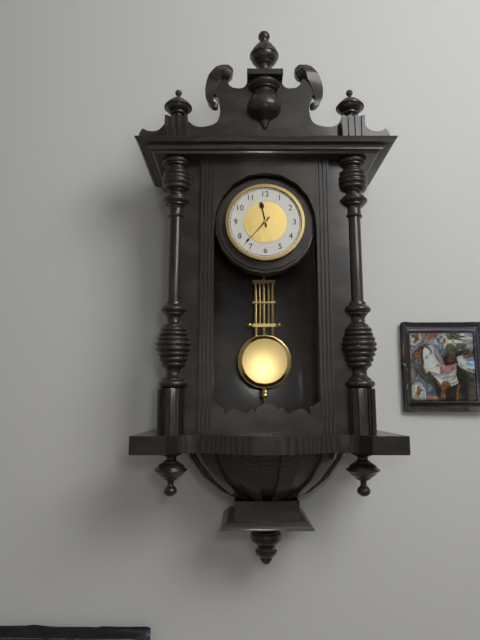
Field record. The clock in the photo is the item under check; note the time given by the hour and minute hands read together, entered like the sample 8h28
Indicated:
11h37
